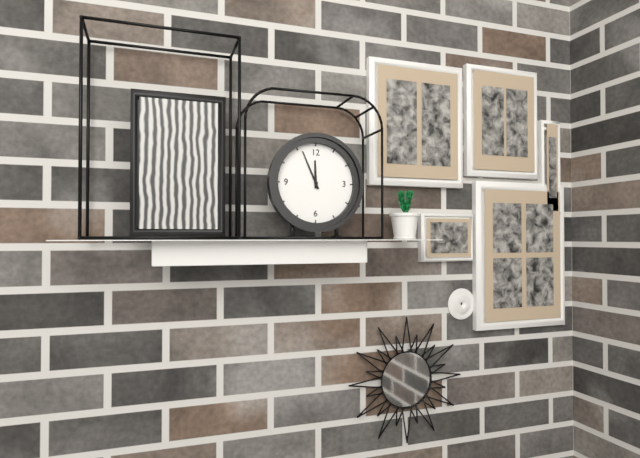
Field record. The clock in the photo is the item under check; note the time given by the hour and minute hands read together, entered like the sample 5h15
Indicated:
11h56
